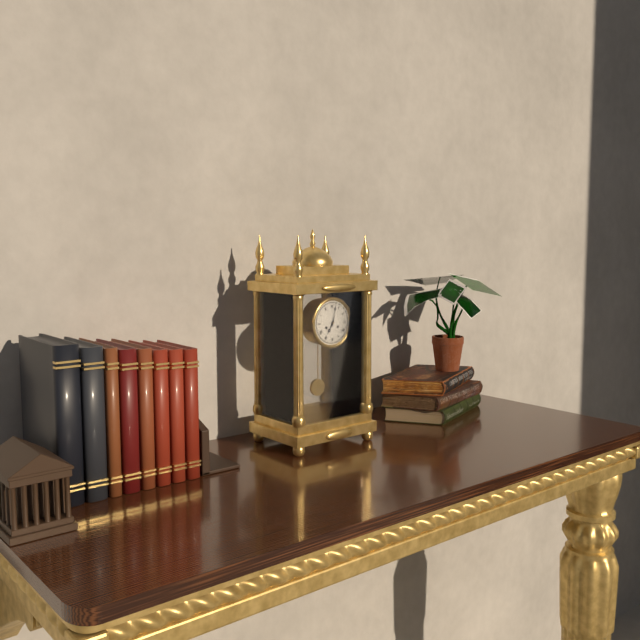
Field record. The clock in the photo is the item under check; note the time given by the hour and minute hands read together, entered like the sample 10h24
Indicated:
7h02
